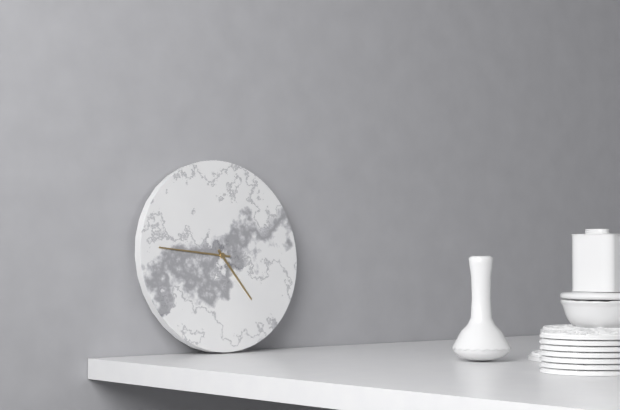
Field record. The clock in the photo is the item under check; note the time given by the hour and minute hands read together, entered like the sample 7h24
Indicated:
4h46
